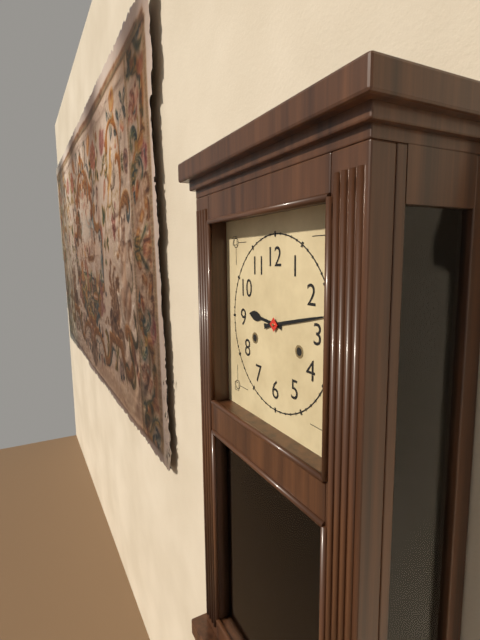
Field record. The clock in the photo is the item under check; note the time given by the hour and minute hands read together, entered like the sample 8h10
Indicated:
9h13
